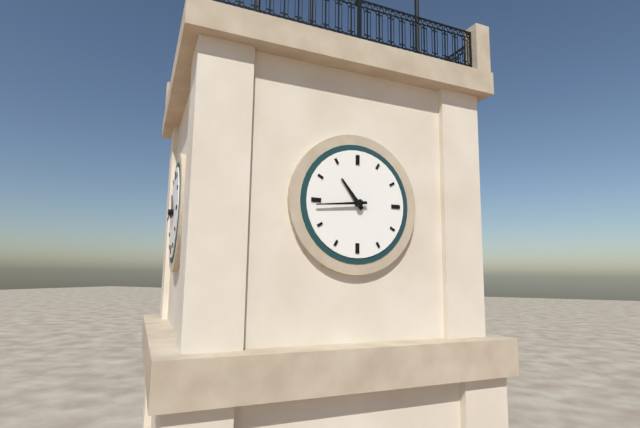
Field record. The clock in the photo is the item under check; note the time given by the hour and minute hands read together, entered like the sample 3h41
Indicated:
10h44
